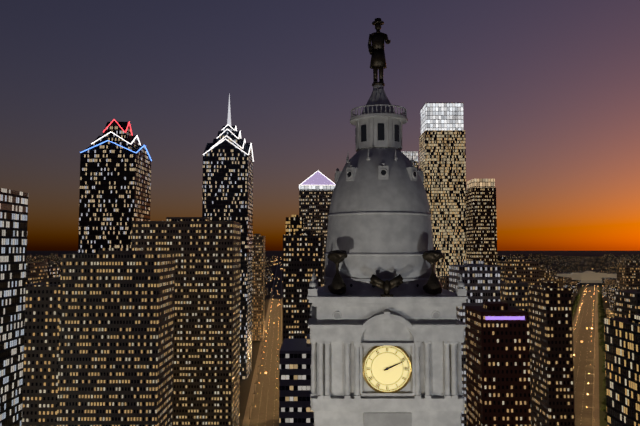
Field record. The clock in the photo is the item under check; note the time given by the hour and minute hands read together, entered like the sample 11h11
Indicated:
2h11
